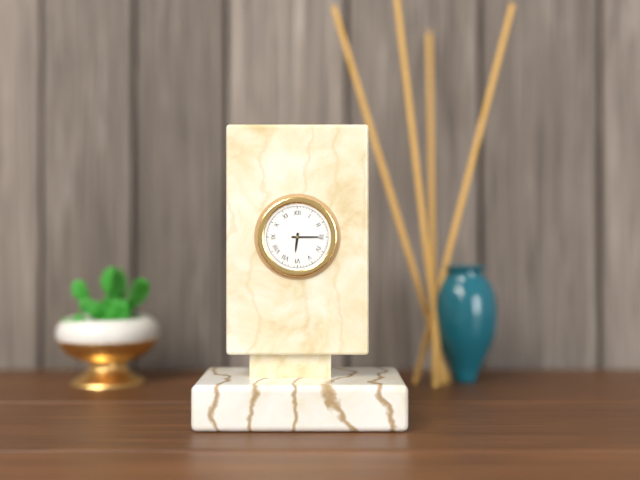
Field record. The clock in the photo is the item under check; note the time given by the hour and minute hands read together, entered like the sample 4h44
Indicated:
6h15
